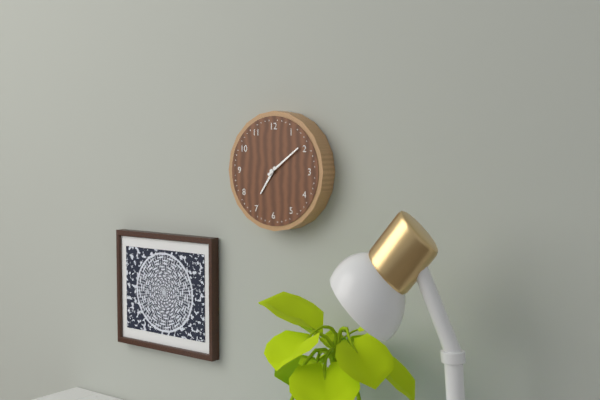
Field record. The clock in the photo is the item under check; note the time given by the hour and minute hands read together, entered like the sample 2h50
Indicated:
7h09
